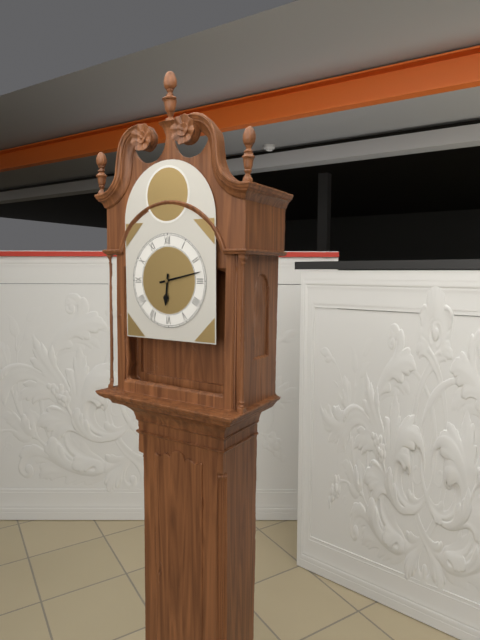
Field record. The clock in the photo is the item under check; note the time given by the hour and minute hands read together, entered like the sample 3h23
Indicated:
6h13
